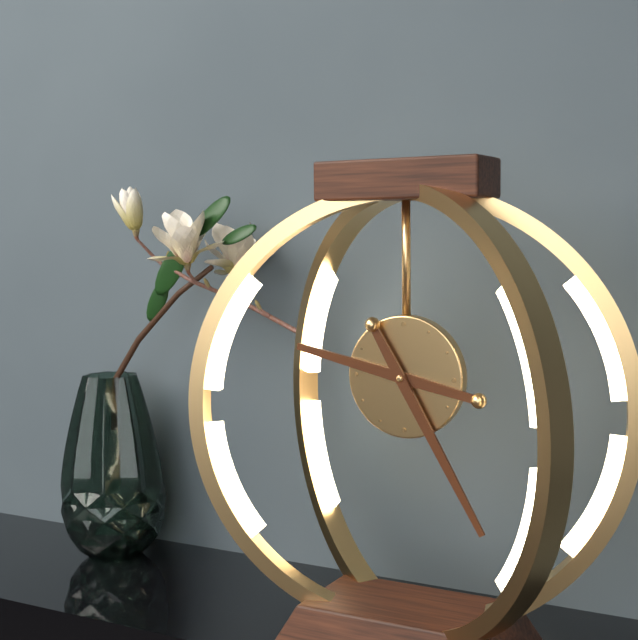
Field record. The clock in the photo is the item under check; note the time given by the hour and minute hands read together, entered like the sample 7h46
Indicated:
9h25
